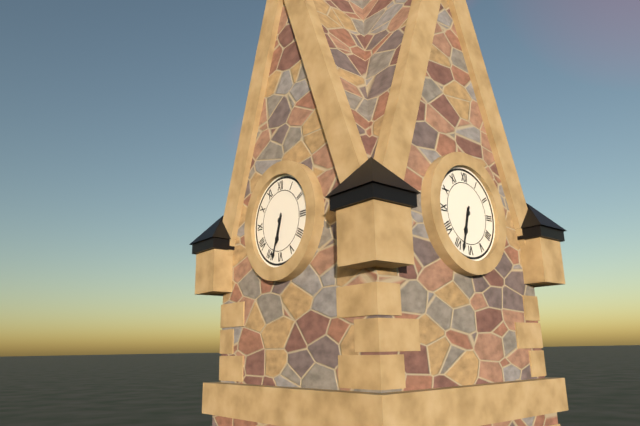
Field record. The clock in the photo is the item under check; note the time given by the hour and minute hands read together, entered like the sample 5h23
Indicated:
6h33
